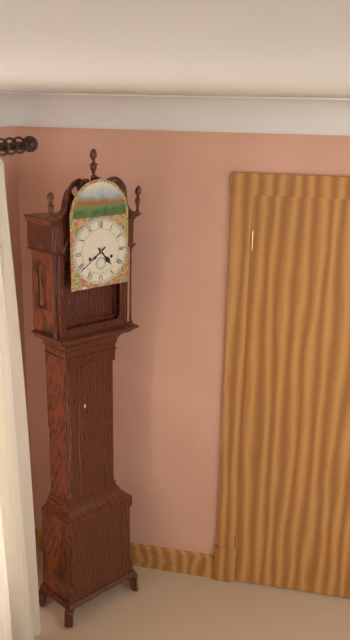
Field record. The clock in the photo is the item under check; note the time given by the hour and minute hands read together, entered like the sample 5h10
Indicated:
4h39
